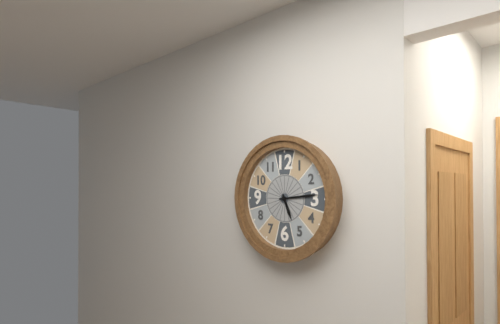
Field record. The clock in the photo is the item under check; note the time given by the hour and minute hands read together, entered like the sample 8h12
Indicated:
5h14
